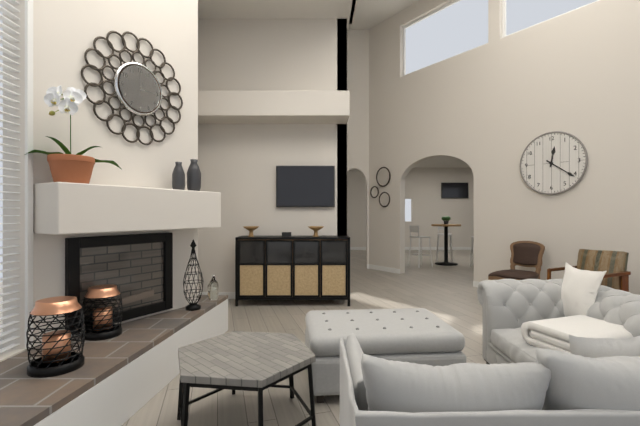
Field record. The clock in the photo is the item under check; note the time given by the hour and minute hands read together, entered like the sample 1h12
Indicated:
12h21
